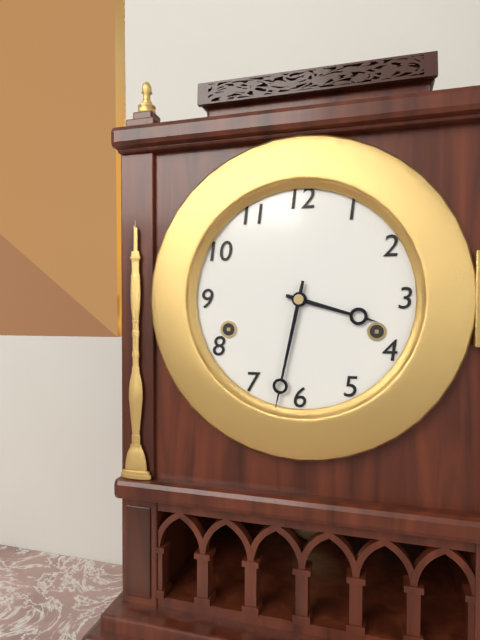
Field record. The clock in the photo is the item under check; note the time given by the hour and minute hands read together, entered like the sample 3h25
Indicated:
3h32
